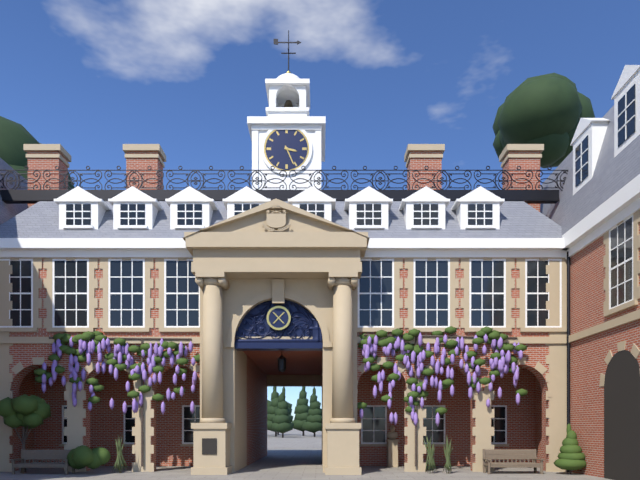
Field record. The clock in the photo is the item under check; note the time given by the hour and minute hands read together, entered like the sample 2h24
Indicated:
3h26
